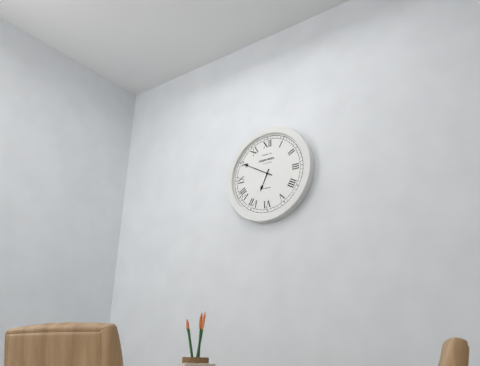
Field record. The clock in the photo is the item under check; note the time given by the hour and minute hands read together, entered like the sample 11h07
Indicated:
6h50
